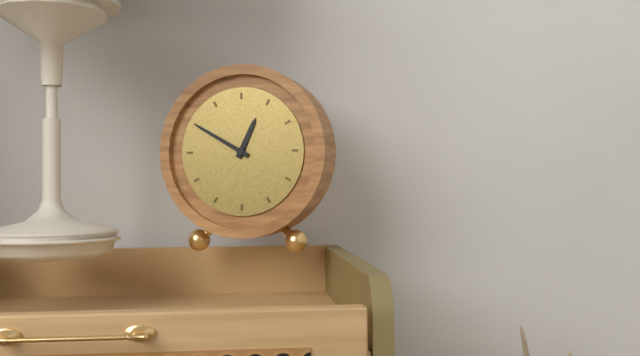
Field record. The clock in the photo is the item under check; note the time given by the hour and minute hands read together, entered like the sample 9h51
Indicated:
12h50
